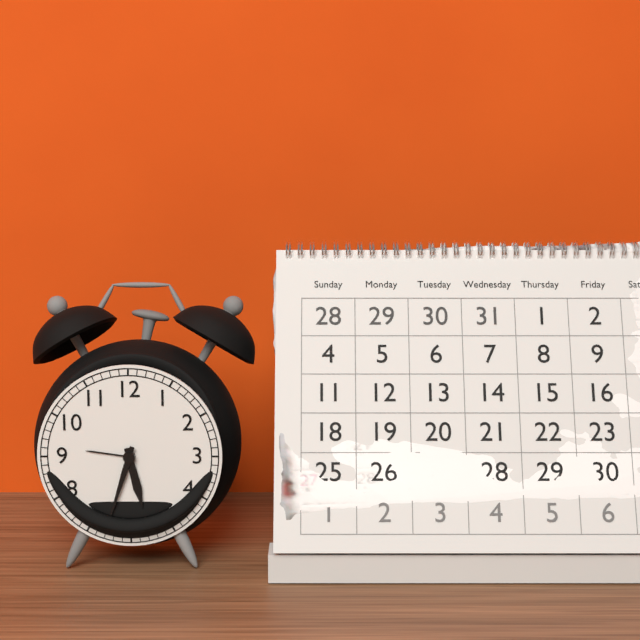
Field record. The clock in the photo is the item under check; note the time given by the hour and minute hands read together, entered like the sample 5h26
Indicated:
5h33
